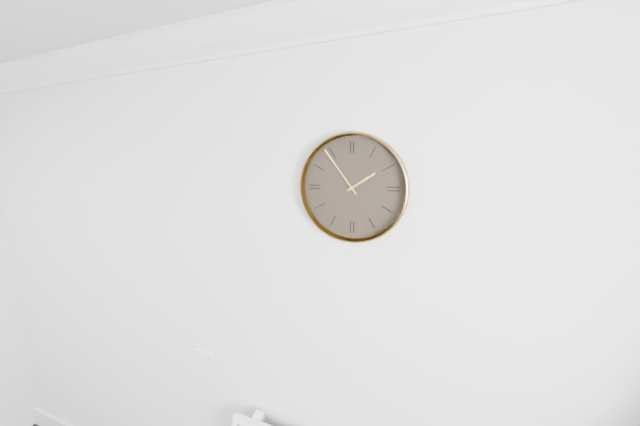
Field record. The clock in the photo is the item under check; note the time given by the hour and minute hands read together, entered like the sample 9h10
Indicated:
1h54
